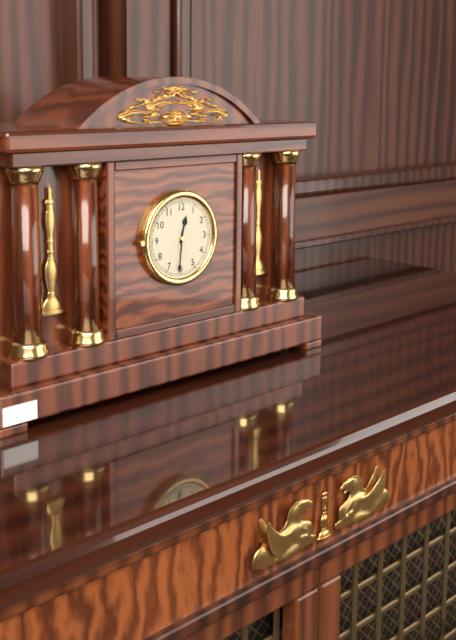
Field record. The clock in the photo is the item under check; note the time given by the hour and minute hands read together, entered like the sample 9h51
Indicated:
12h31
